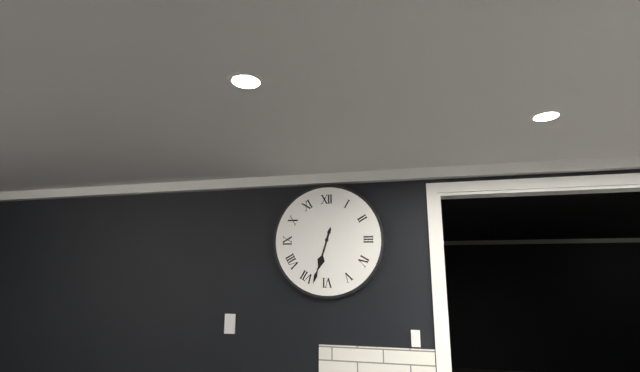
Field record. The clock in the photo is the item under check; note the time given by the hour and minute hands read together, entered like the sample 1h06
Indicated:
6h33
